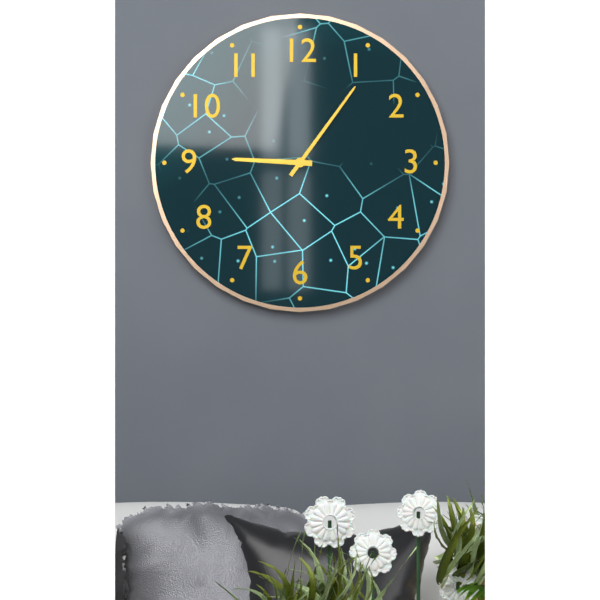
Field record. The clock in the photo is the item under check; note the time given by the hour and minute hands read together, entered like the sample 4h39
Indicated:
9h06
